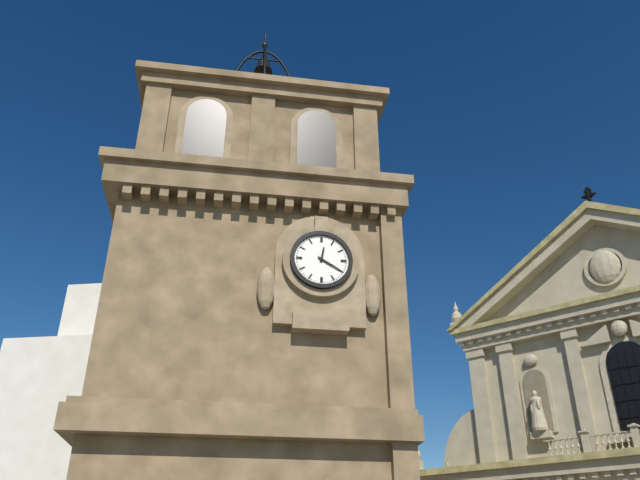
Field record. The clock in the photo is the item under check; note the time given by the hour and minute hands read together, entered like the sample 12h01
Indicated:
12h20
